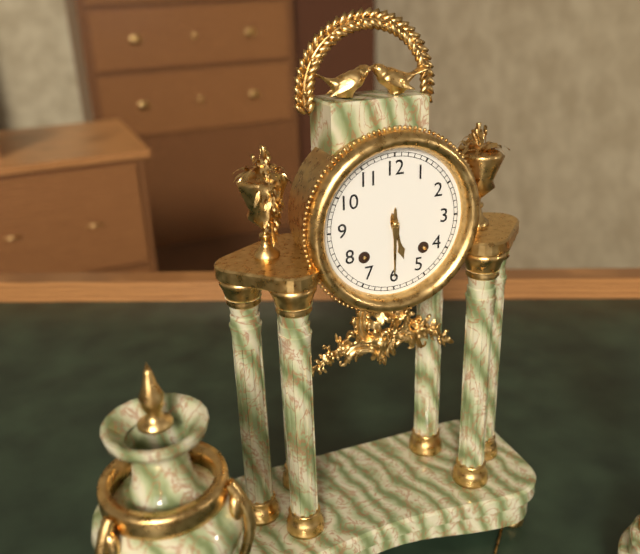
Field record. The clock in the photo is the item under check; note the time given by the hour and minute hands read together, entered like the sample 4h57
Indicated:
5h30
